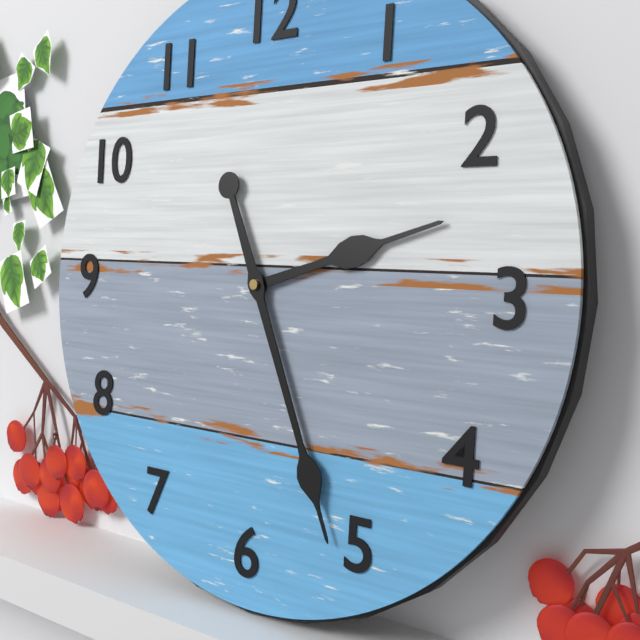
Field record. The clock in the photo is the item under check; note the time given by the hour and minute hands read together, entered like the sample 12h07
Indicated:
2h26
